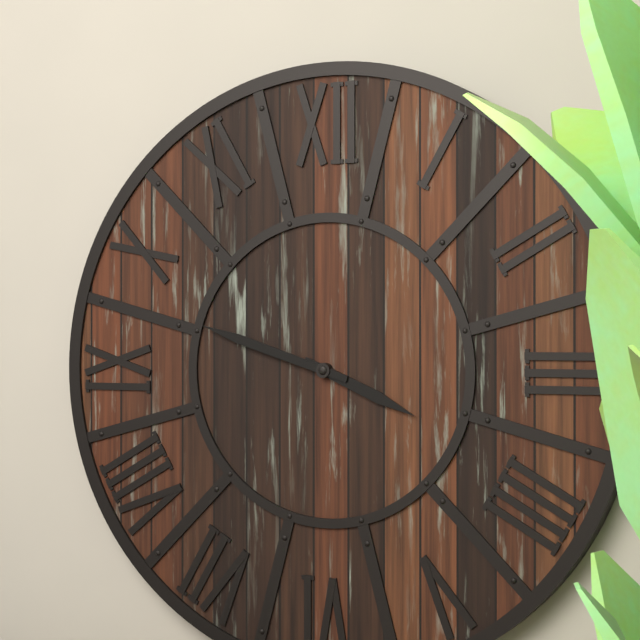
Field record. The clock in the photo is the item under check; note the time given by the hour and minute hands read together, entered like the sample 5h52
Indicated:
3h48
